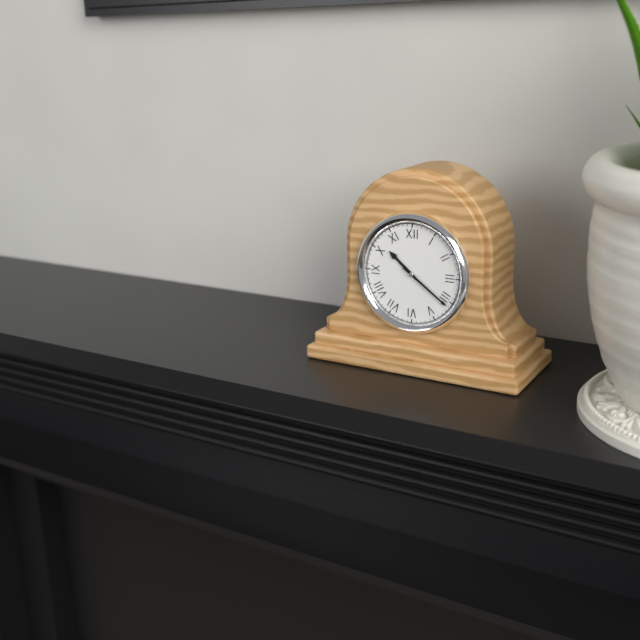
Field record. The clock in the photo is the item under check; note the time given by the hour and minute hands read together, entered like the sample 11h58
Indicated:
10h21
